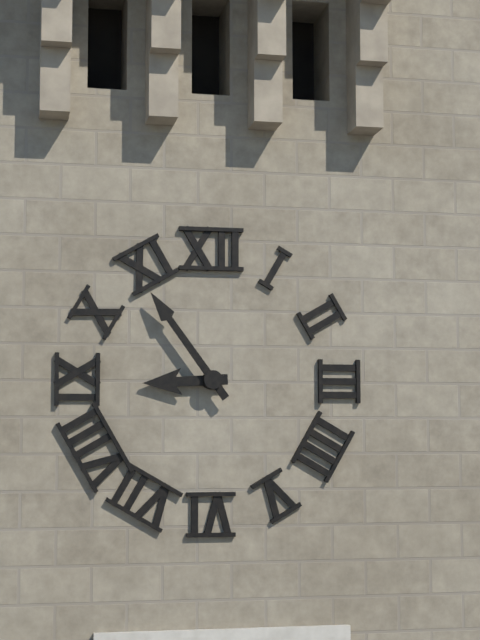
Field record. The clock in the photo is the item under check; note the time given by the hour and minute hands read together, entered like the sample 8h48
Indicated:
8h54
